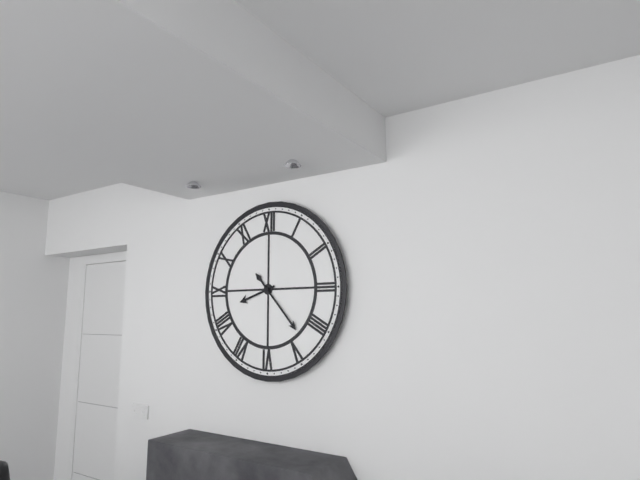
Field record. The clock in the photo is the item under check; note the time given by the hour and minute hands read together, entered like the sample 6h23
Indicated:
8h23
